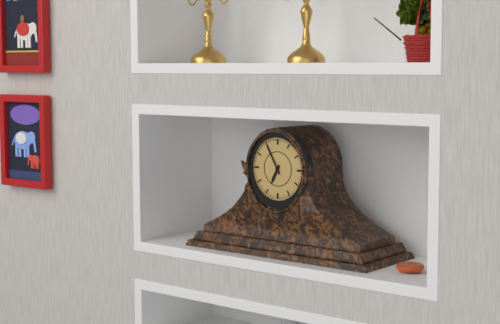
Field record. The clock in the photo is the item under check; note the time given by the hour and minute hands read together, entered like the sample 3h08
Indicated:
6h55
